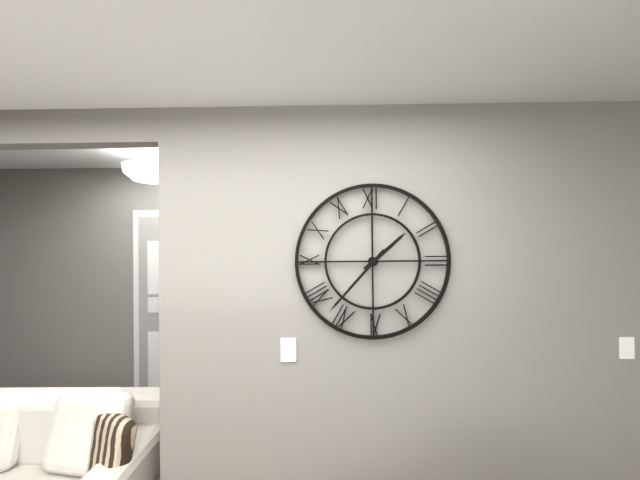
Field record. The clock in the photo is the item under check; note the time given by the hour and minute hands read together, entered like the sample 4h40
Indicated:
1h37
